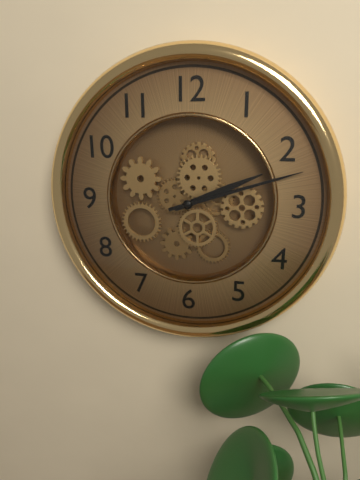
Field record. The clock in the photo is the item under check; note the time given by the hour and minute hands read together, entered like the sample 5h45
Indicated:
2h12
